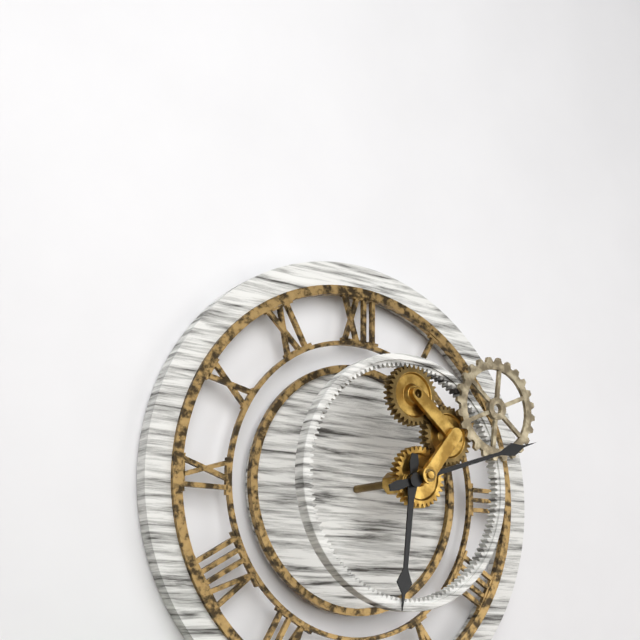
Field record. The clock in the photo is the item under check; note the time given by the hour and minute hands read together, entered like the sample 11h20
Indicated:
6h12
